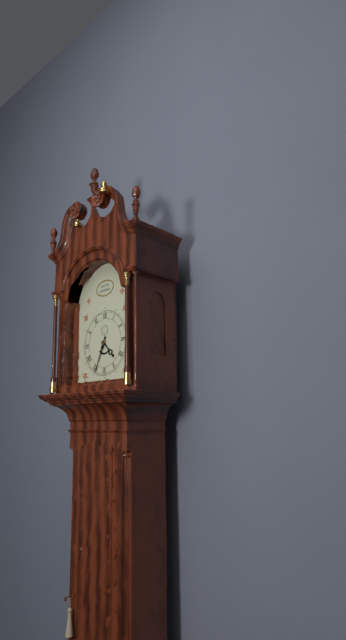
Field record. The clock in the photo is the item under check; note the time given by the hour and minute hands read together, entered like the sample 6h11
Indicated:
4h34
